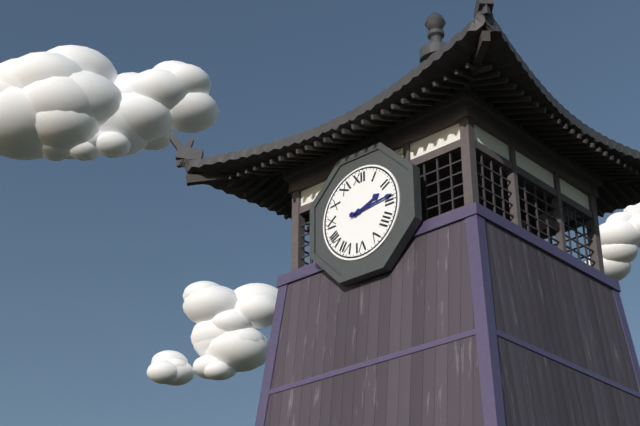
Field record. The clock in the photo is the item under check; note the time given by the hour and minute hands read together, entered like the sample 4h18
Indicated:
2h14
